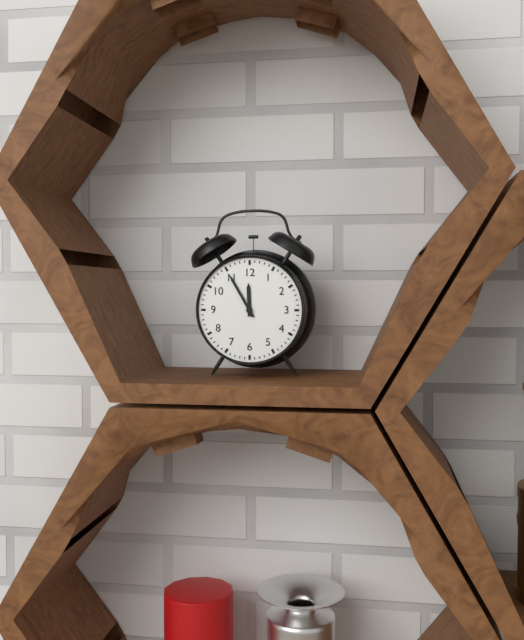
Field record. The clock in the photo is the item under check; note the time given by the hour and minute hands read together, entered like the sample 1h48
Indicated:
11h55
